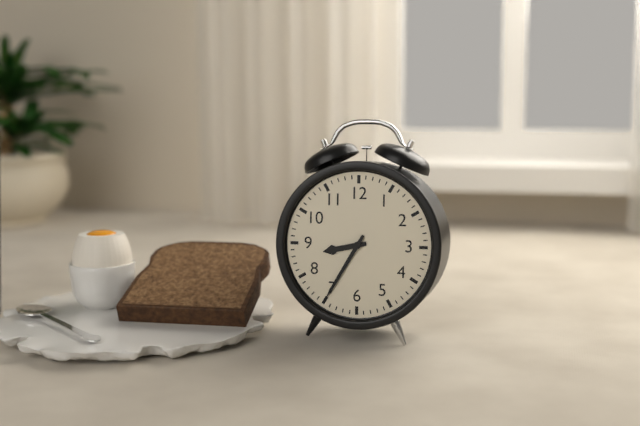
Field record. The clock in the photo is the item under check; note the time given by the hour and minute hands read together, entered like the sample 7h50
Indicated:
8h35
